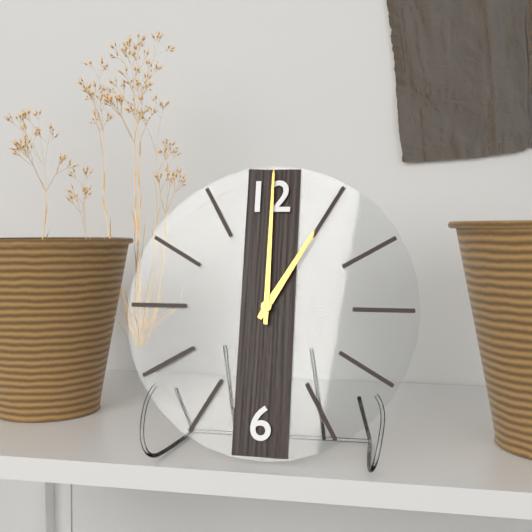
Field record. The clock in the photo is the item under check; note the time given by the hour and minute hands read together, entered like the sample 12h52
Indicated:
1h00
